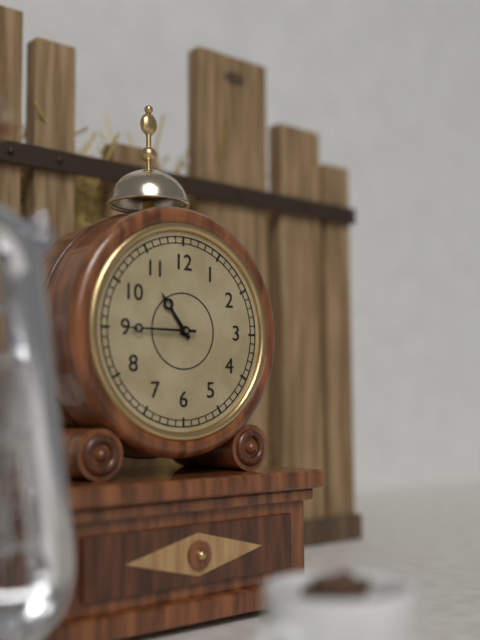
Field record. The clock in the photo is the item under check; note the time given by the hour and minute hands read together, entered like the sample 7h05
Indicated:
10h45
